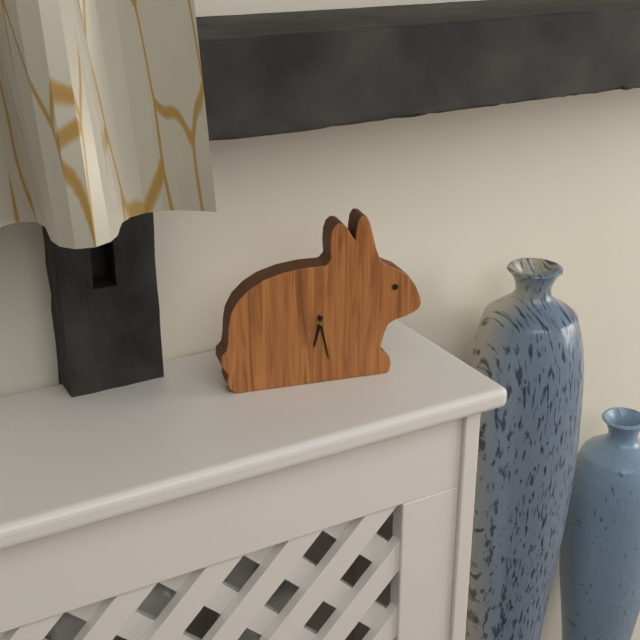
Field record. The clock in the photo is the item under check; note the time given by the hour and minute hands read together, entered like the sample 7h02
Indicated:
6h28
